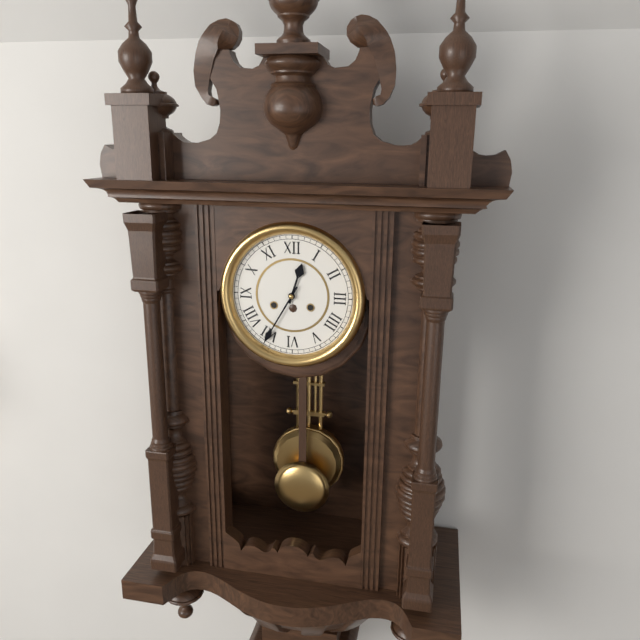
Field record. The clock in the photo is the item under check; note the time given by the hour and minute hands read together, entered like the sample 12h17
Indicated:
12h35
